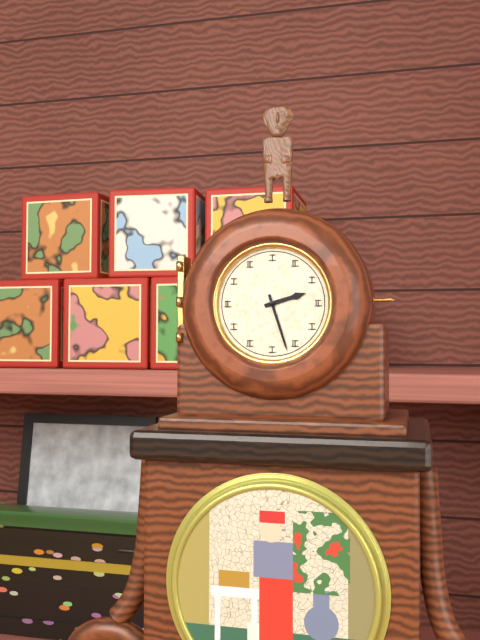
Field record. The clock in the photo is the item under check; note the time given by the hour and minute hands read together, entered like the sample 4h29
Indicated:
2h27
